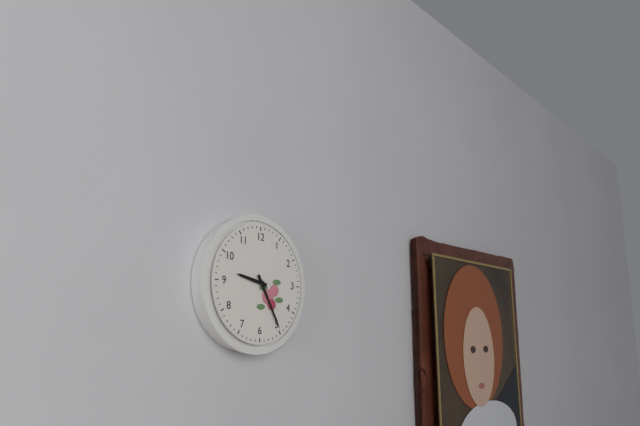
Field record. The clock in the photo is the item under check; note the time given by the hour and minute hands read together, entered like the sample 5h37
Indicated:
9h25
